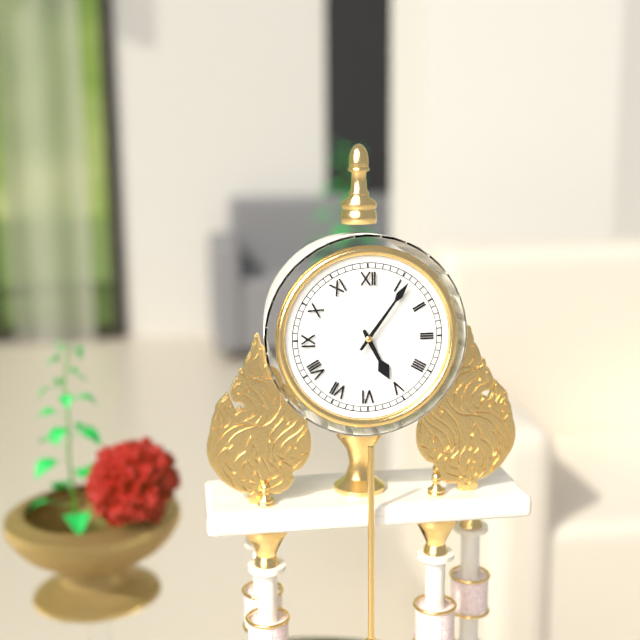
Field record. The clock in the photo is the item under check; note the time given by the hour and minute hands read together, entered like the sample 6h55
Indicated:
5h06
